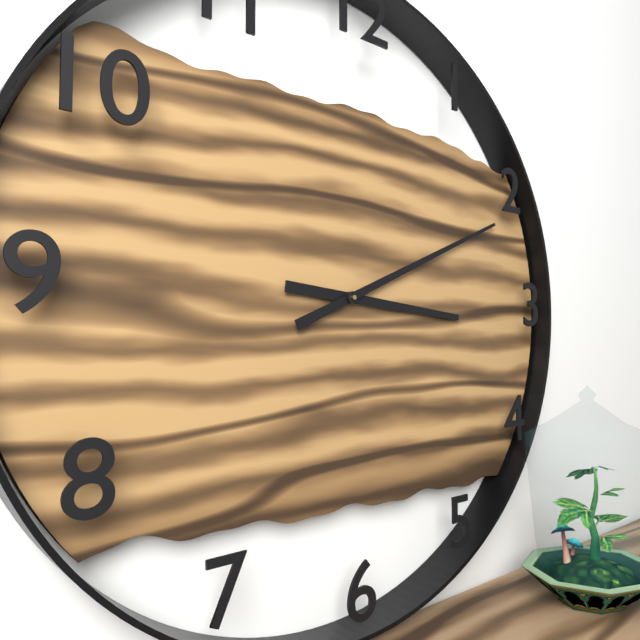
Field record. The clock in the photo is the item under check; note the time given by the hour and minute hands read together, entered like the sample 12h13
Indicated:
3h11
